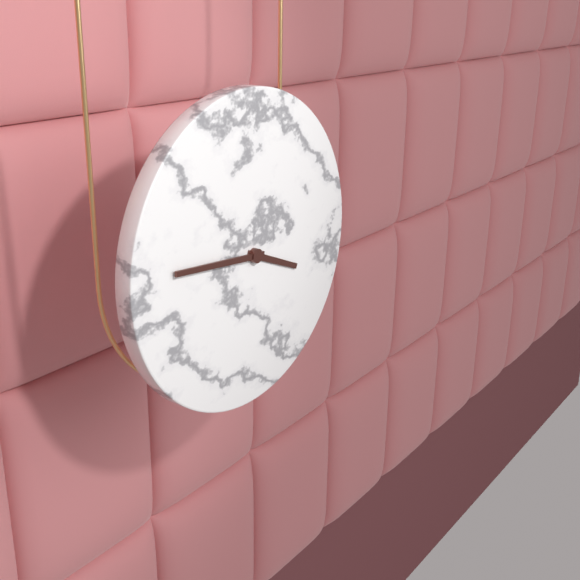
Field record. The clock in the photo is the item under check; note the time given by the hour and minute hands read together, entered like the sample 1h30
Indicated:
3h46
